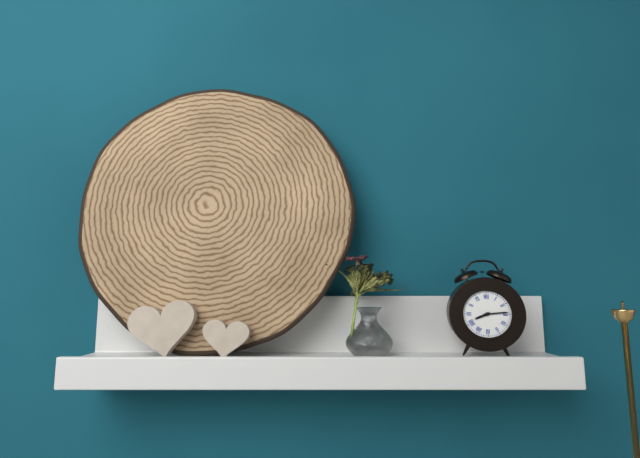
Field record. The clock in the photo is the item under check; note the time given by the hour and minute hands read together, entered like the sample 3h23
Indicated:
8h14
